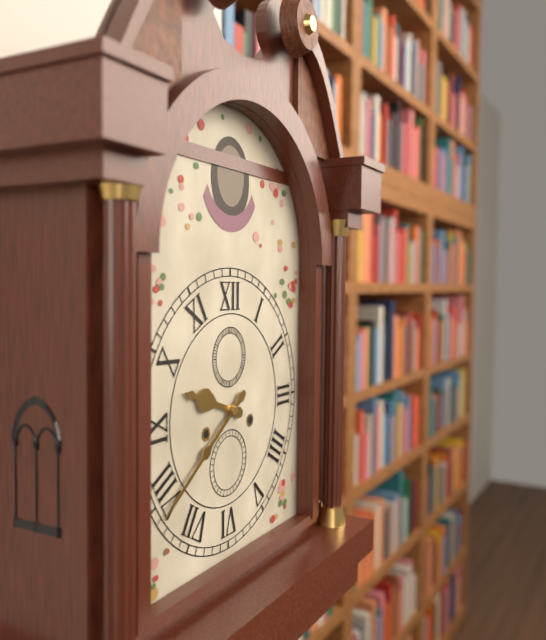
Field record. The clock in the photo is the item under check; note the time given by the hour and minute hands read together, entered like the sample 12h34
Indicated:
9h39
